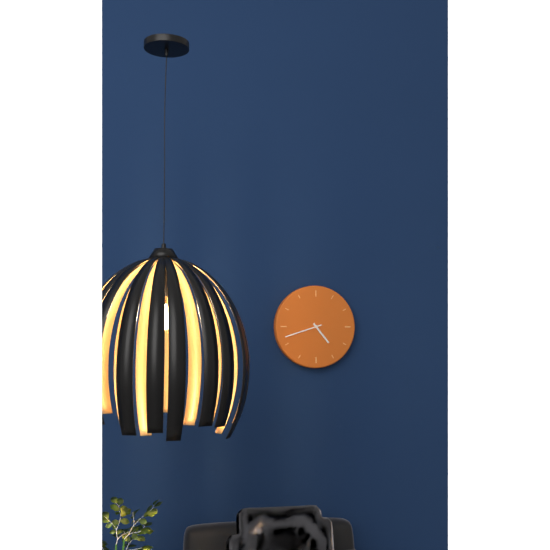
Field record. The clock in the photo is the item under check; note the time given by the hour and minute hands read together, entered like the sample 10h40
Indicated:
4h42
